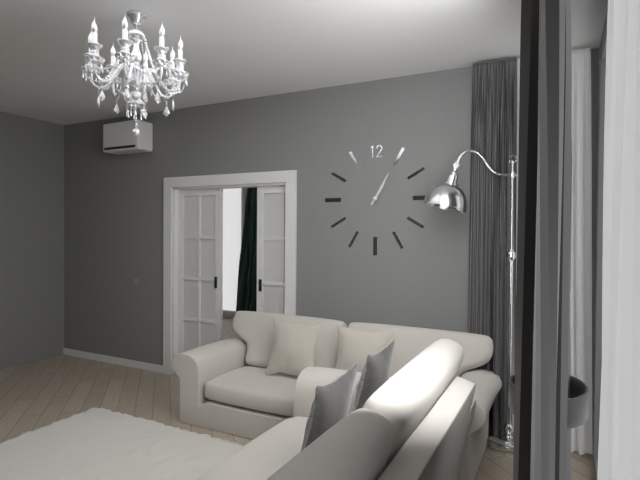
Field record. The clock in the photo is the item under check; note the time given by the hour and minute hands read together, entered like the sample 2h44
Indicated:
1h05
